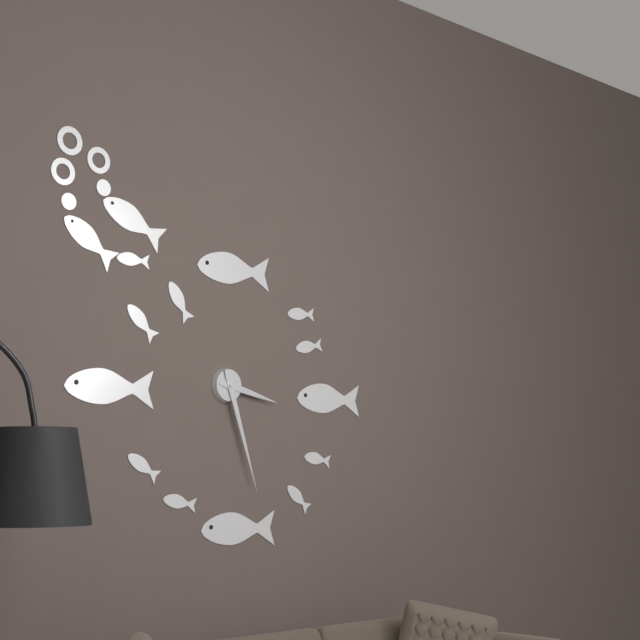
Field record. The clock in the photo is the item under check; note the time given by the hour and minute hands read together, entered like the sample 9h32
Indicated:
3h27
